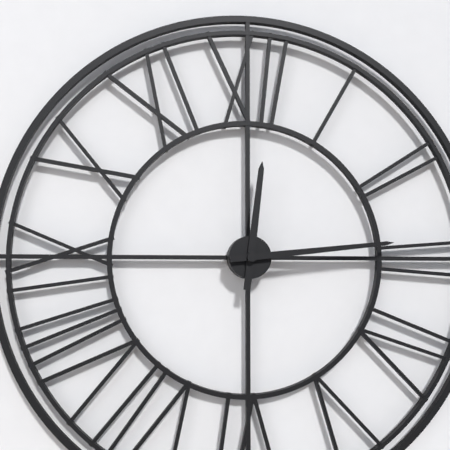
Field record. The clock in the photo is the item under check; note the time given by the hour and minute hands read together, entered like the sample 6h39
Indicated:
12h14
